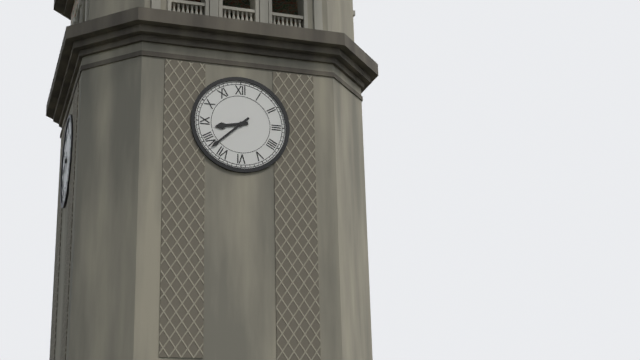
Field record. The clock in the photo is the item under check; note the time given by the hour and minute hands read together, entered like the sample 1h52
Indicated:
8h38
